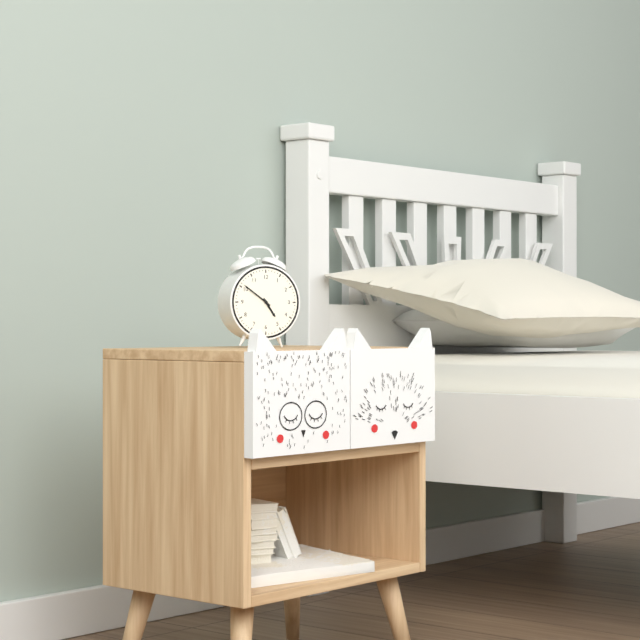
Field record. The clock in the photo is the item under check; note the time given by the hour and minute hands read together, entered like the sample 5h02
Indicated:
4h51
